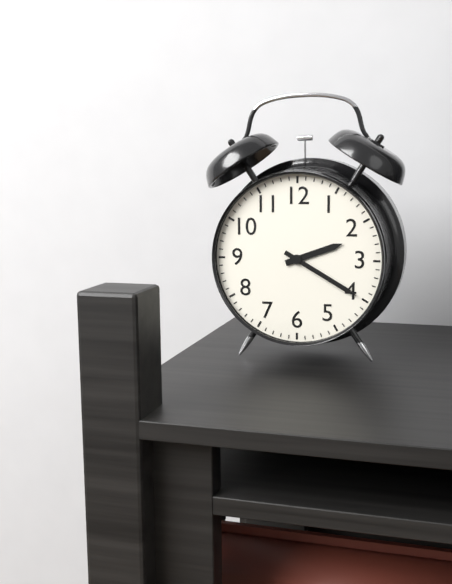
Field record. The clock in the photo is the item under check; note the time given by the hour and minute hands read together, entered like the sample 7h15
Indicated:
2h20
